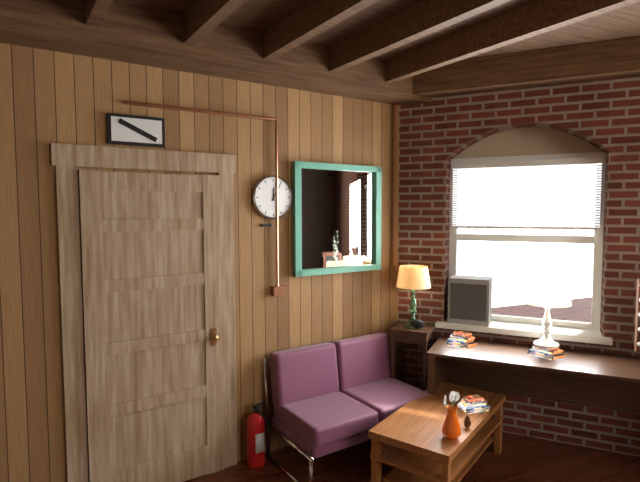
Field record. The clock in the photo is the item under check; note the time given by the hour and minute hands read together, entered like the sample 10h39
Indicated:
12h05
